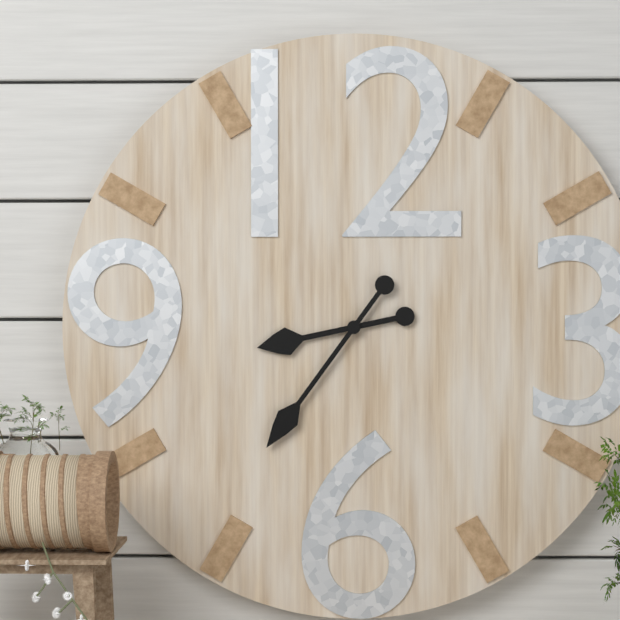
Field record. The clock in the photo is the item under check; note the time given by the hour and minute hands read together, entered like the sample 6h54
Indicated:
8h36
